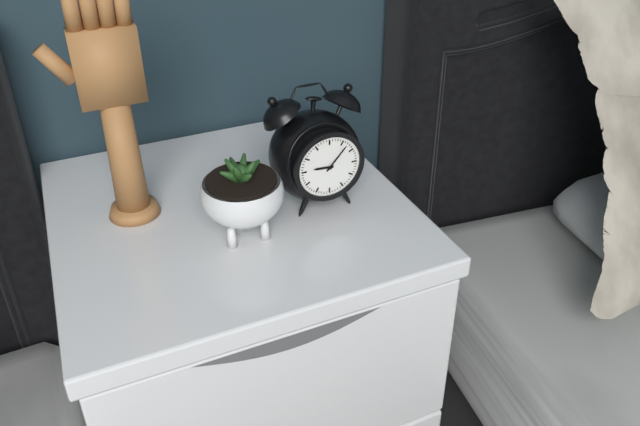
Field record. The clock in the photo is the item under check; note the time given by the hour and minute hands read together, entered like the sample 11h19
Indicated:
9h07
